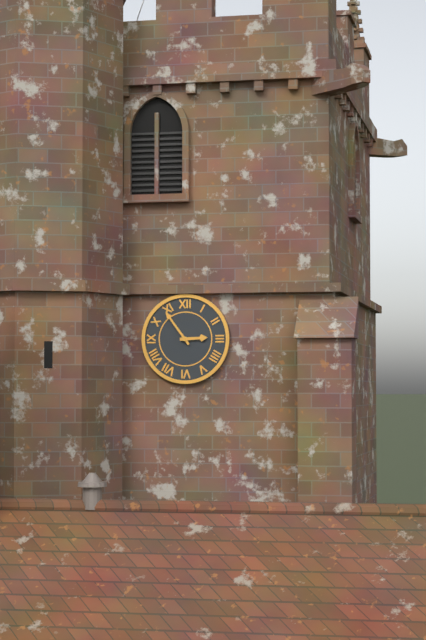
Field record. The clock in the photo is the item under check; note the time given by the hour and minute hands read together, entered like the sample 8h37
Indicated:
2h54
